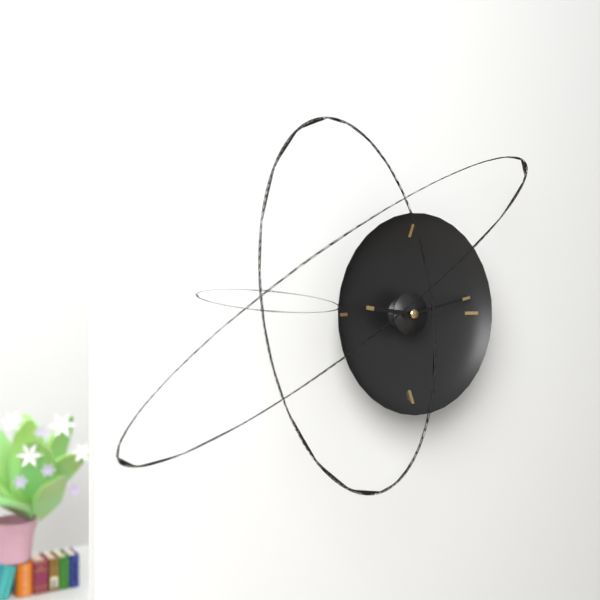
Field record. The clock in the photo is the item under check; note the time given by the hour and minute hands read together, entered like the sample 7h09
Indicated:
9h13
